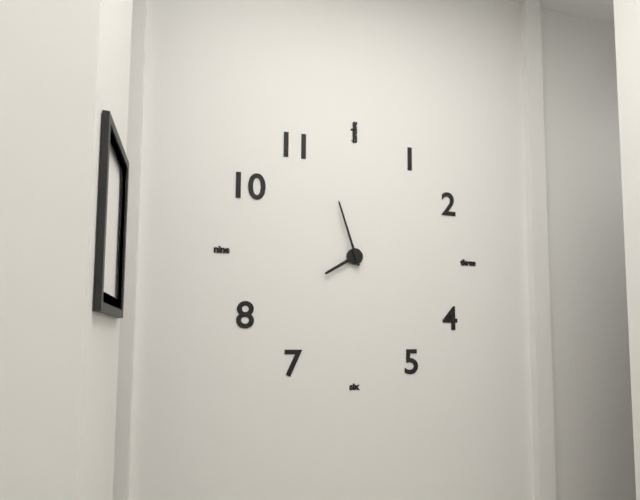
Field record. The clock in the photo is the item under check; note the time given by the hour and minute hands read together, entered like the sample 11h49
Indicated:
7h57
